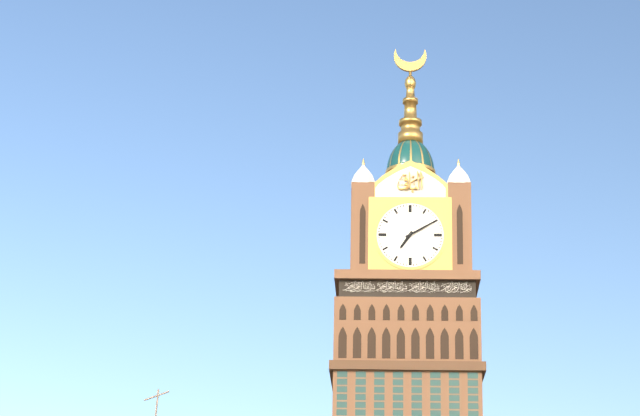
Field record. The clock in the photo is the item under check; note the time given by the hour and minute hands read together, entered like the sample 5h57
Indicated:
7h10
